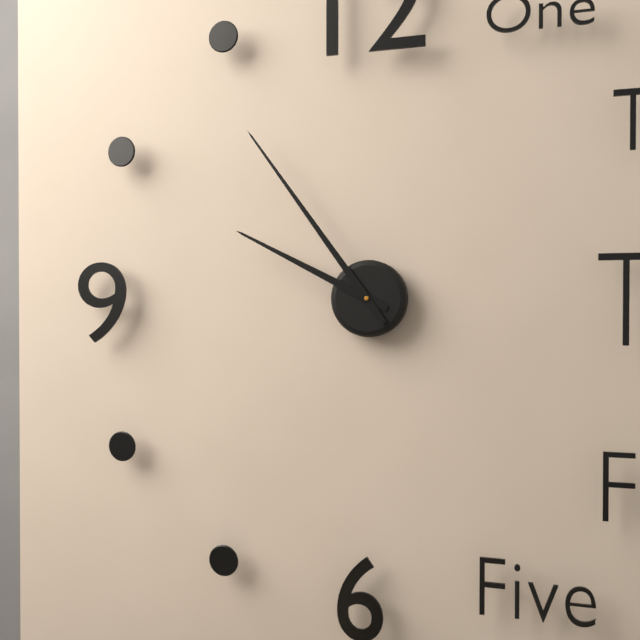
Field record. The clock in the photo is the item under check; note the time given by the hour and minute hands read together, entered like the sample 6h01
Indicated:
9h54
